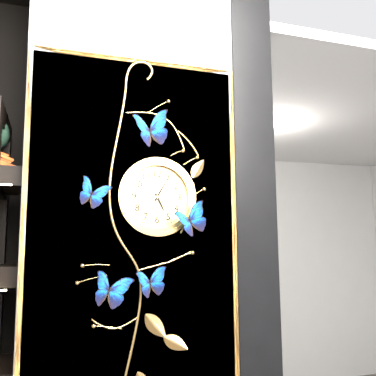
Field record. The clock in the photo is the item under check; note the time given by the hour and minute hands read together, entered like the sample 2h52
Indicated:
5h05
